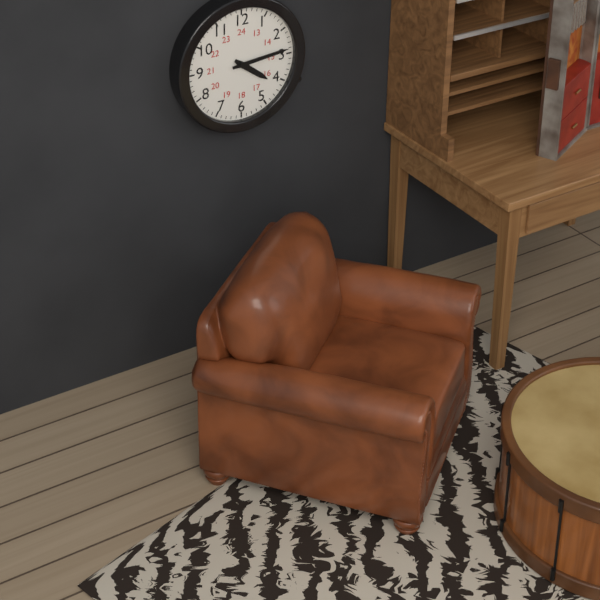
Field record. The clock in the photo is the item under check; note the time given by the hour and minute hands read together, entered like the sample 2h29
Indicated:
4h14
